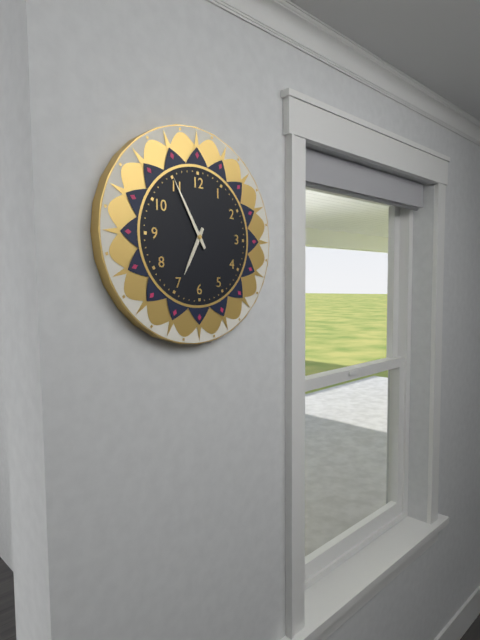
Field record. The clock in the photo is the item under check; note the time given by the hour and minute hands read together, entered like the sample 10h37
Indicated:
6h55
